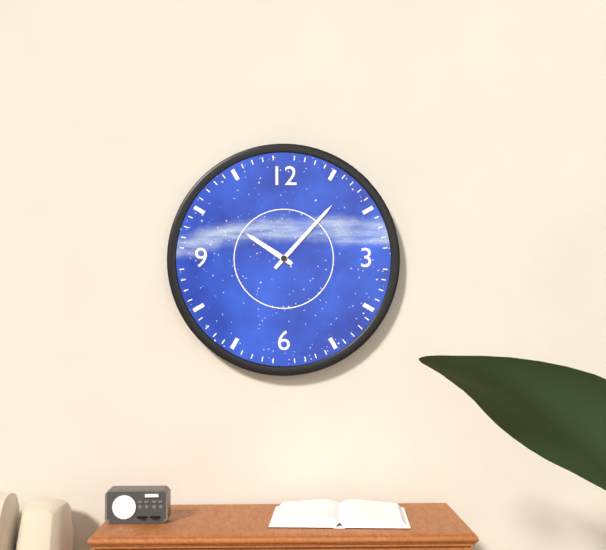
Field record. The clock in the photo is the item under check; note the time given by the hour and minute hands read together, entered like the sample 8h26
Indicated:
10h07
